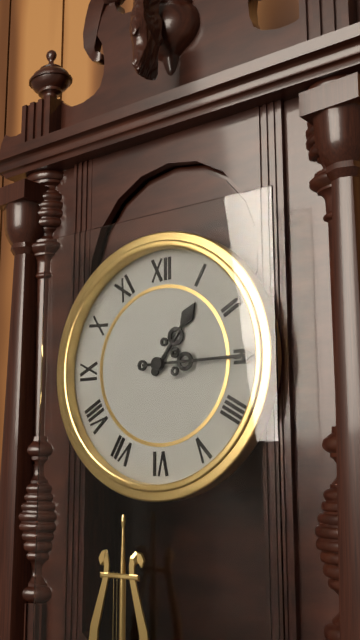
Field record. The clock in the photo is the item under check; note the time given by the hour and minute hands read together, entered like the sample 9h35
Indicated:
1h15
